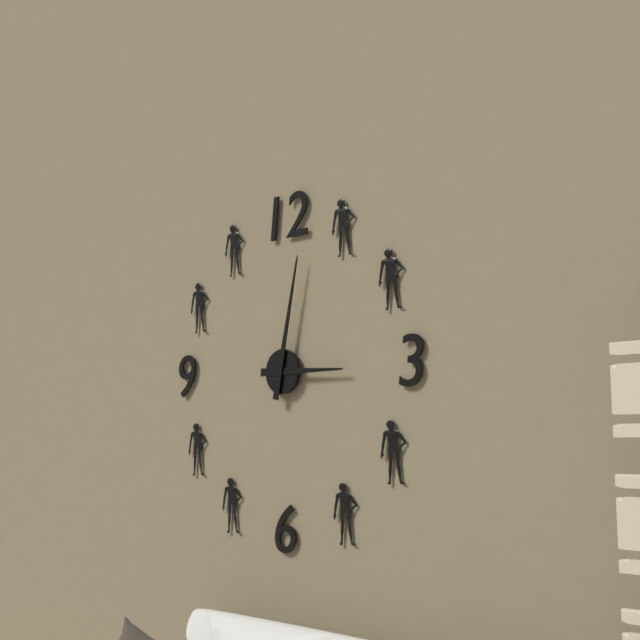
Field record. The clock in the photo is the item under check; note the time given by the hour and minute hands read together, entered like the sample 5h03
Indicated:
3h02
